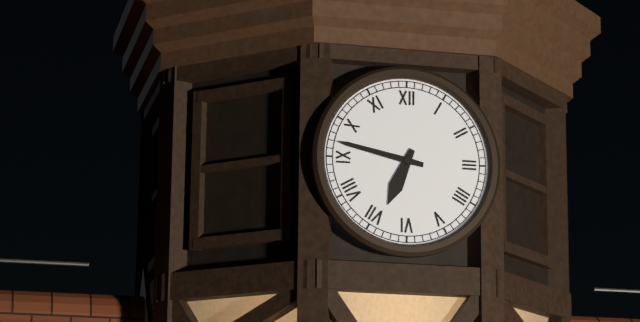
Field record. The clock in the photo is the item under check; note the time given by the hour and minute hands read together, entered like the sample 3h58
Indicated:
6h47
